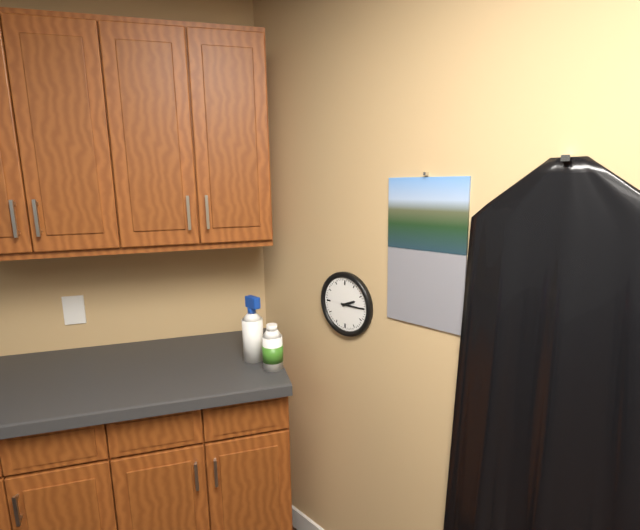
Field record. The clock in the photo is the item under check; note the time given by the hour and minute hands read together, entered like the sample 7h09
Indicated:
2h15
